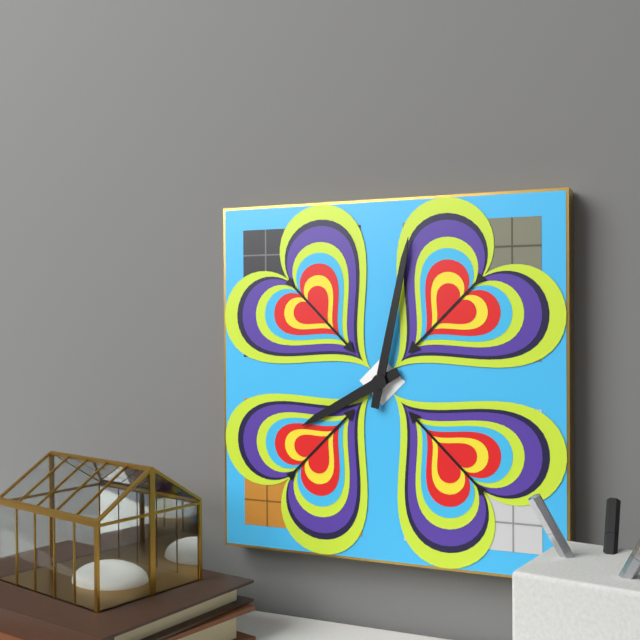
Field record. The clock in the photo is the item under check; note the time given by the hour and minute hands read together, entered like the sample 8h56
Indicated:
8h02
